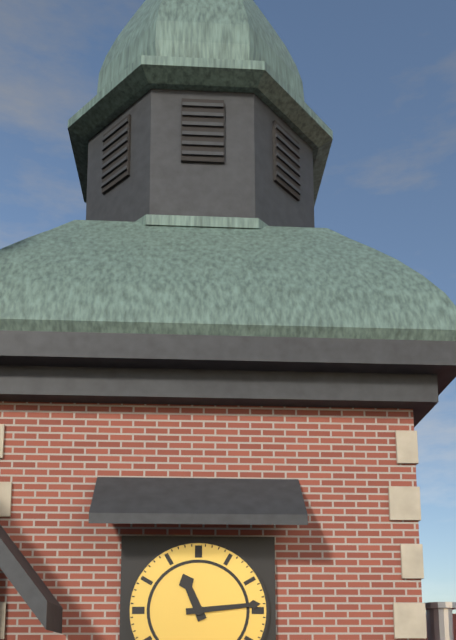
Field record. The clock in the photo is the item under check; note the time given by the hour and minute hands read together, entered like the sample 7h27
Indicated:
11h14
